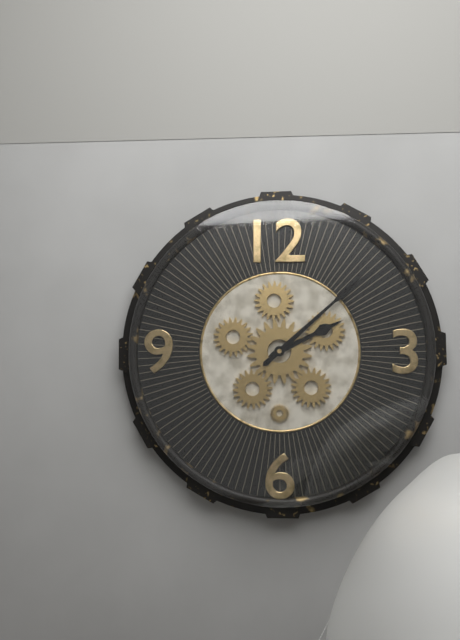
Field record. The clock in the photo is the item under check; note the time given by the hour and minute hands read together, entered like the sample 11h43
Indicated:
2h08
